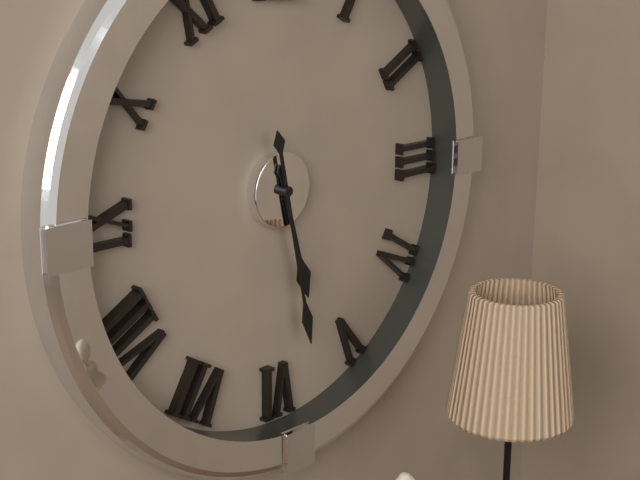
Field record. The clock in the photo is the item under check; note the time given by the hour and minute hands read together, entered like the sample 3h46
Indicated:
5h28
